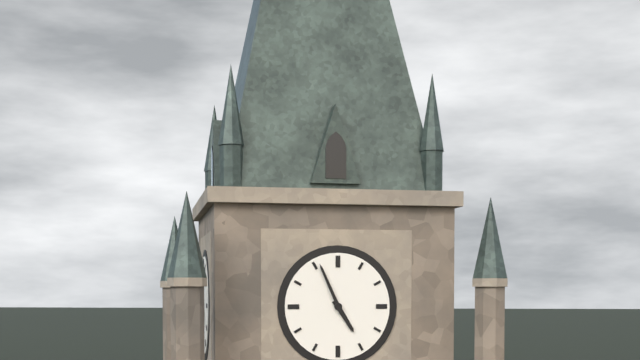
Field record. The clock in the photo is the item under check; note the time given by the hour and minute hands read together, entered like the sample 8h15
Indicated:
4h56
